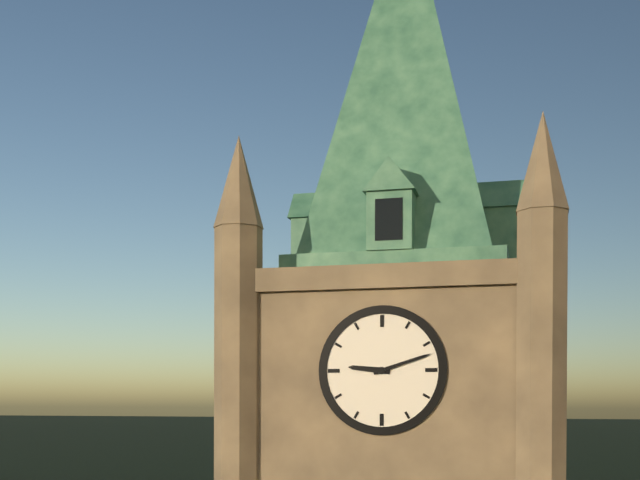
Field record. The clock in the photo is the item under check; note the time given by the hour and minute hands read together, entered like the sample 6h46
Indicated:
9h12
